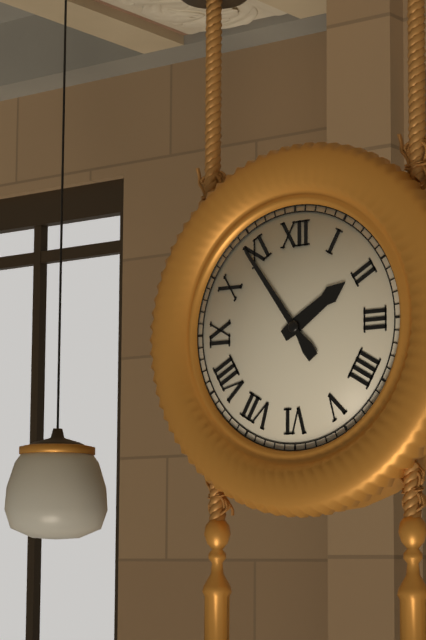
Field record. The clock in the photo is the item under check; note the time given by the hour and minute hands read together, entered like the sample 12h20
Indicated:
1h54
